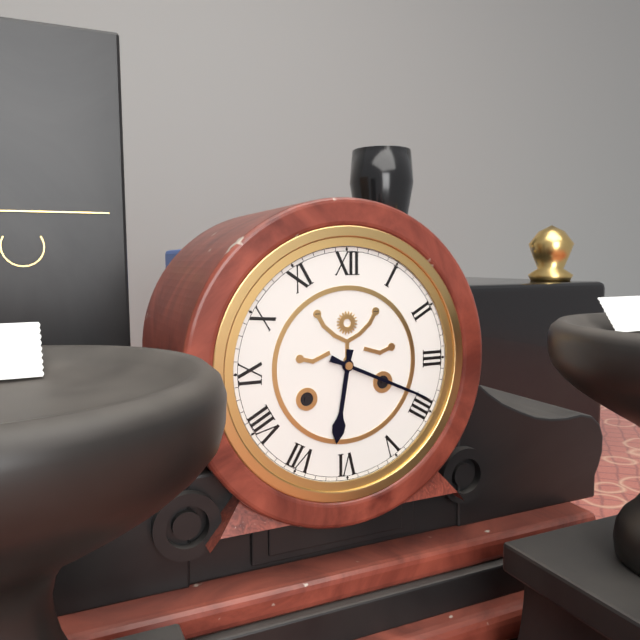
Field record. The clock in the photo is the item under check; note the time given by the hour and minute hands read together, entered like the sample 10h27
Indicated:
6h19
